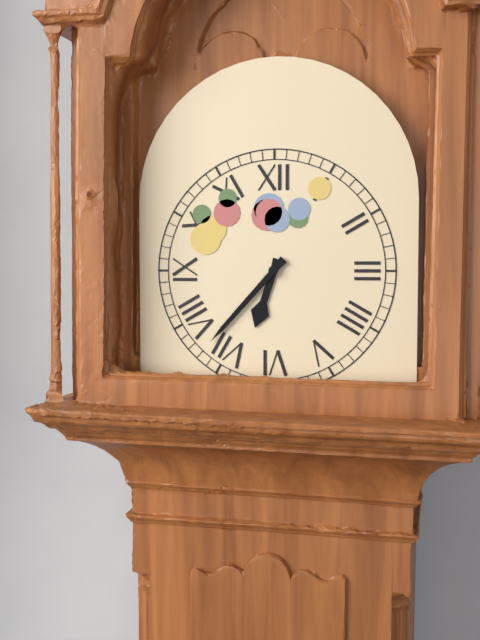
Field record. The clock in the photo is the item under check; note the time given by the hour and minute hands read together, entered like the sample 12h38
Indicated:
6h37
